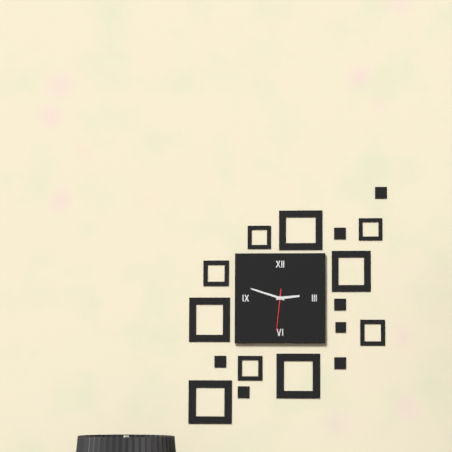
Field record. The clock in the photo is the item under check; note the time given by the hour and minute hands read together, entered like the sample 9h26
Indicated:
2h48
